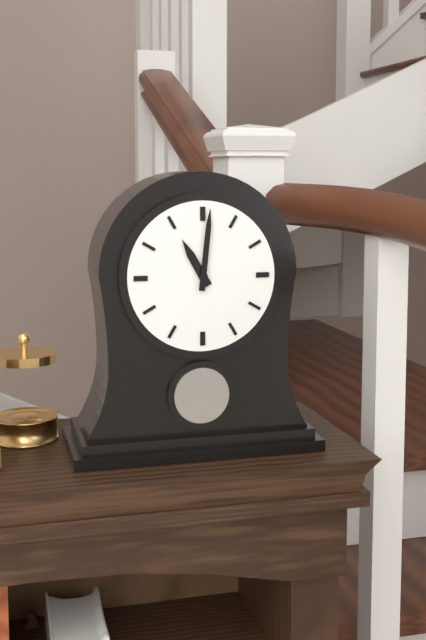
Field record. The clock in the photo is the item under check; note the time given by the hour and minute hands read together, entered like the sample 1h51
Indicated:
11h01
